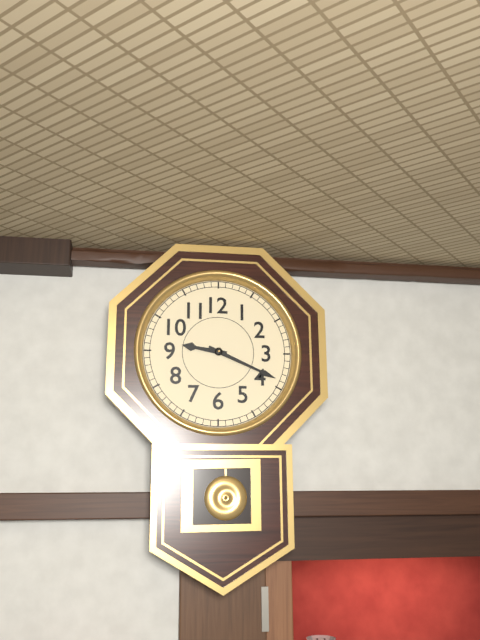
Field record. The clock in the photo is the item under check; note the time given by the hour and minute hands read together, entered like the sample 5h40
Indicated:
9h19
